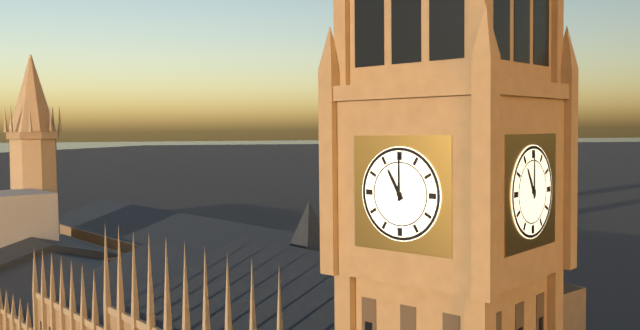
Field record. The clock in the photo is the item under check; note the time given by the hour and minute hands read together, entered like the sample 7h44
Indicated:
11h00
